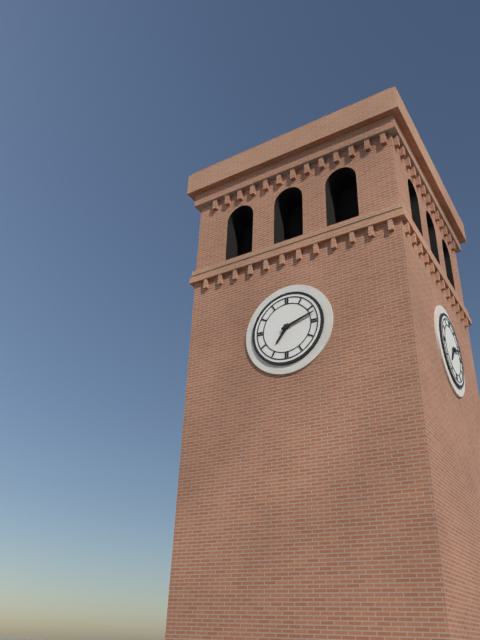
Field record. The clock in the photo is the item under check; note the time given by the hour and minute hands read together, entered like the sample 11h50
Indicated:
7h12
